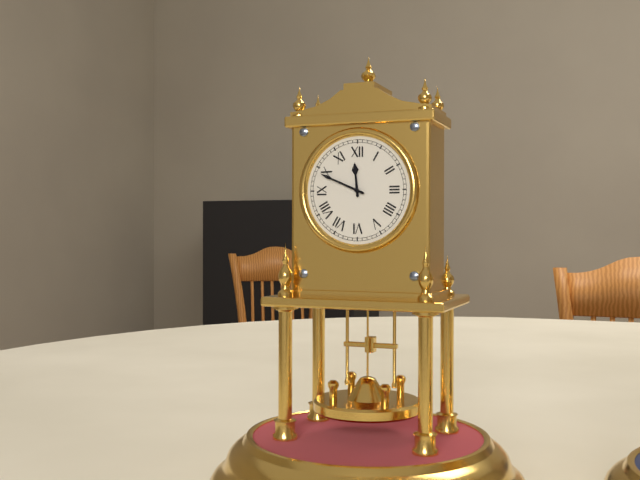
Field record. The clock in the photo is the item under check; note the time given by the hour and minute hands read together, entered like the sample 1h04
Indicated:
11h49
